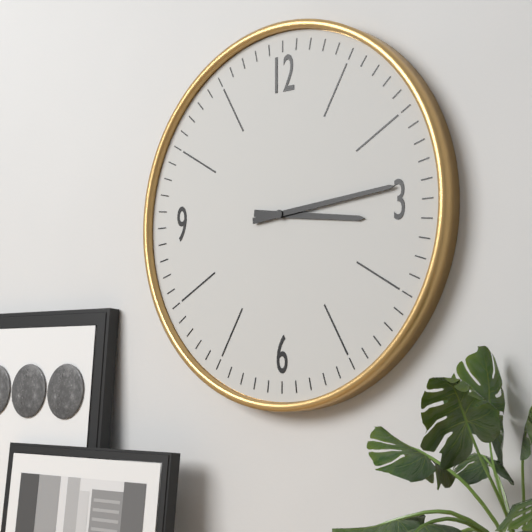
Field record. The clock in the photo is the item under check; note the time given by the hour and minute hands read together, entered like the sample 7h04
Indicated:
3h14
